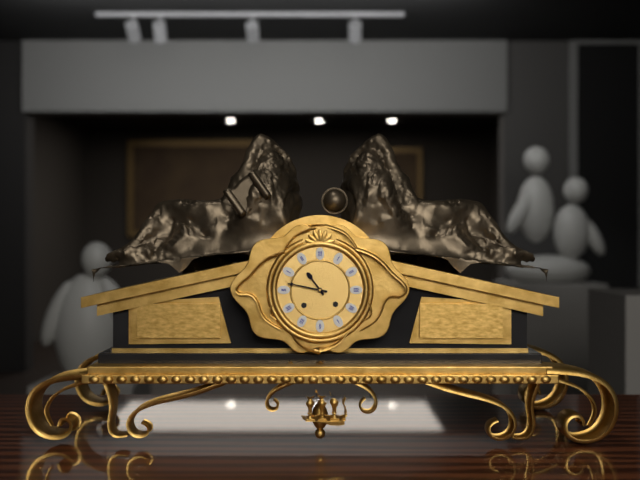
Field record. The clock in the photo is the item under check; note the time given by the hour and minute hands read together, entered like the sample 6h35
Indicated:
10h47
